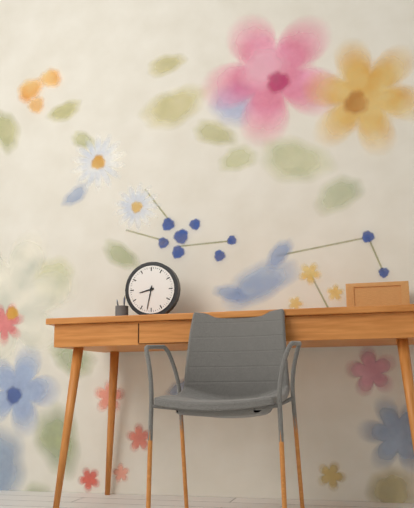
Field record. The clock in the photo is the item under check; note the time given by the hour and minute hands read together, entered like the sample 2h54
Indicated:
8h32
